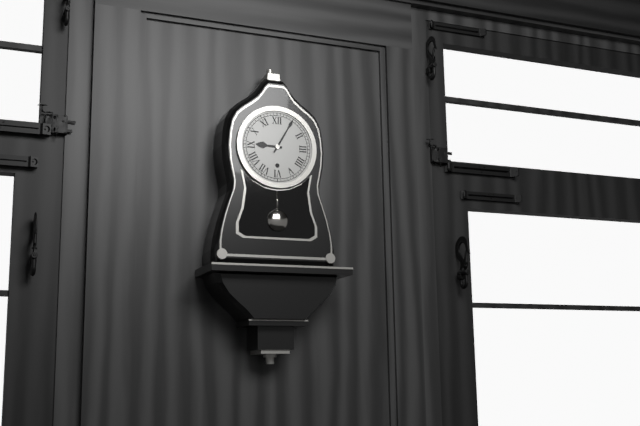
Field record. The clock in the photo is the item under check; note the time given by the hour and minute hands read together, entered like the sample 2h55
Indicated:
9h05
